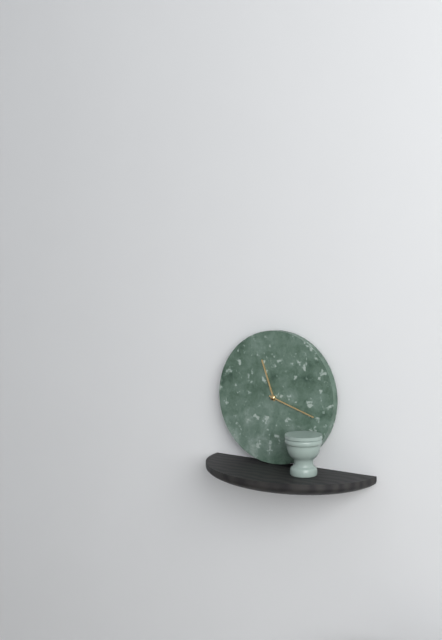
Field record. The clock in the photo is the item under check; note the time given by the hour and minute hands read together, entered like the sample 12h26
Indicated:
11h18
